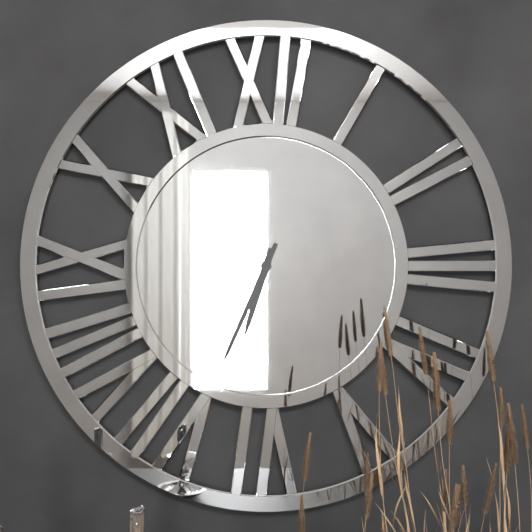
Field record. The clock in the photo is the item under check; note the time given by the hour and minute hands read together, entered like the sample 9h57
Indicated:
6h34
